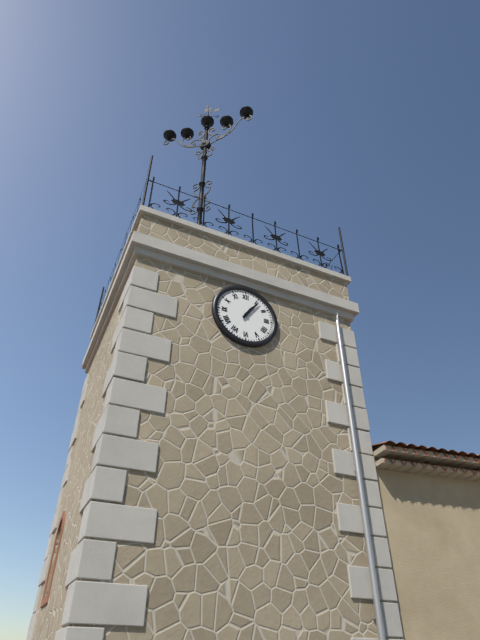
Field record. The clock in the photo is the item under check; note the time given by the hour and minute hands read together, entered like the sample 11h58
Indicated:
1h06
